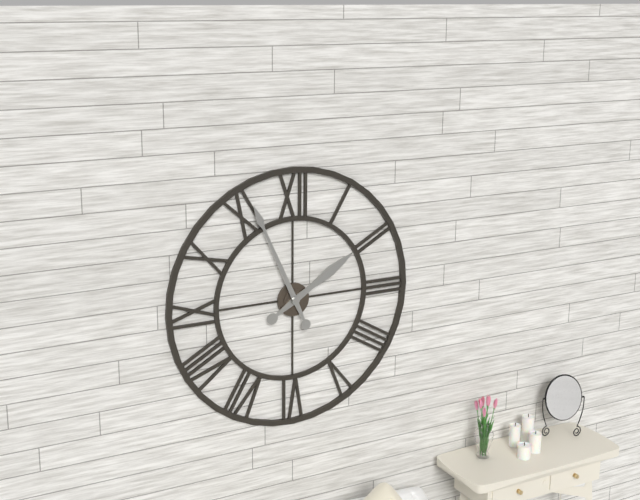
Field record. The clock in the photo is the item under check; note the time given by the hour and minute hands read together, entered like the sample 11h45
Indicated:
1h56
